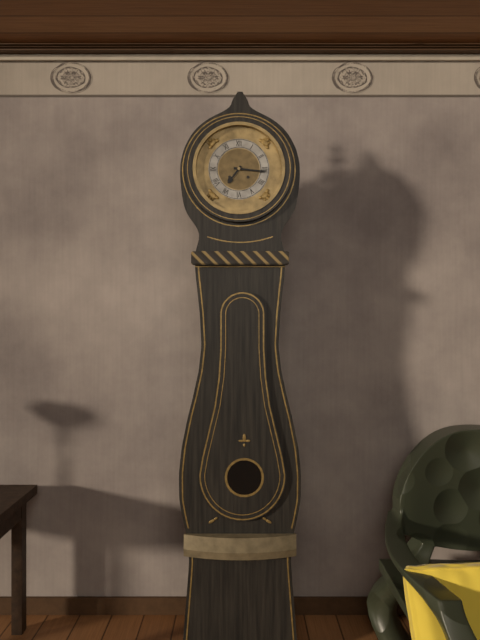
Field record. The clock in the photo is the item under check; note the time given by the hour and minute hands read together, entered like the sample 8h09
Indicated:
7h16
